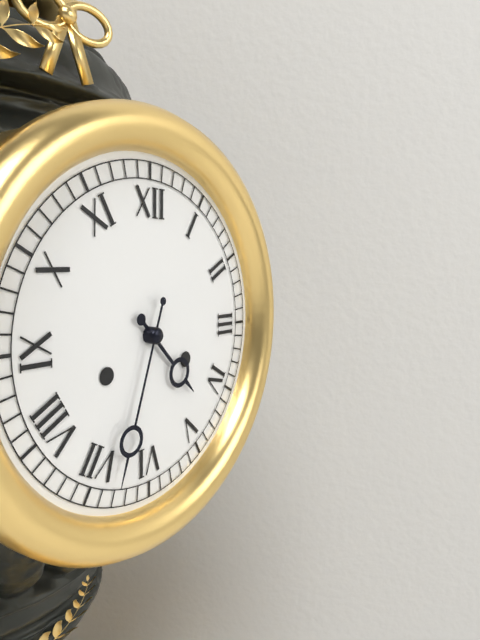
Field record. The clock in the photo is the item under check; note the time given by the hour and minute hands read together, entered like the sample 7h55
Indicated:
4h33
